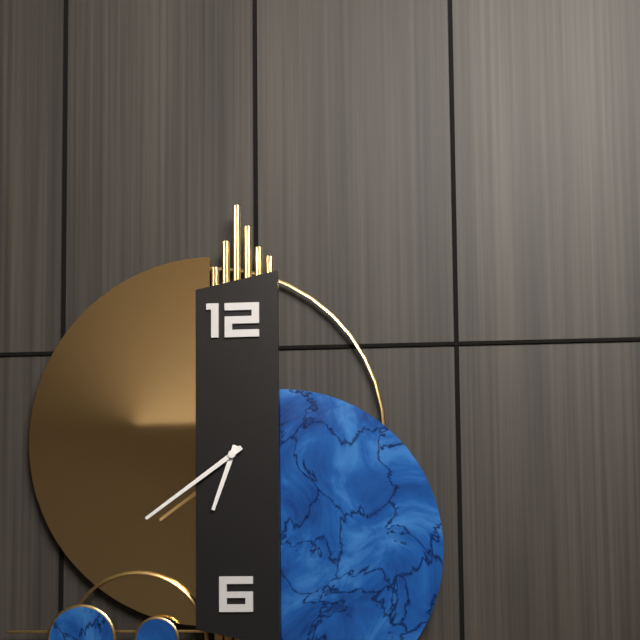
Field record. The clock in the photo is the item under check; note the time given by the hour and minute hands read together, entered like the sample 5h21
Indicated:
6h39
